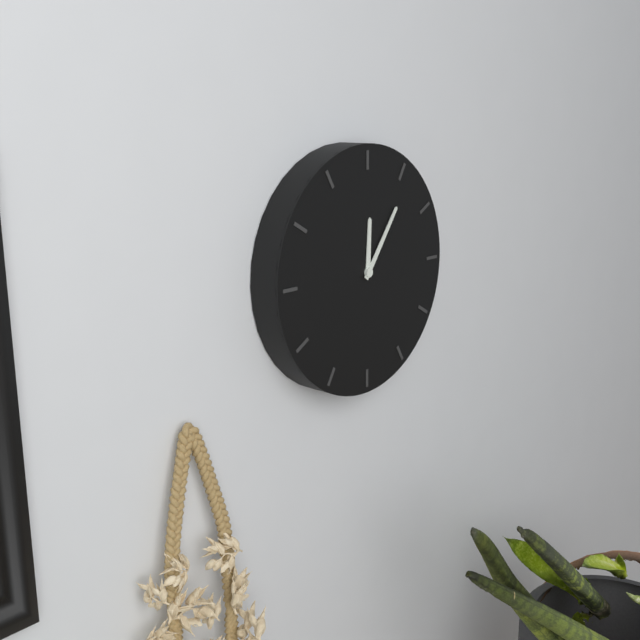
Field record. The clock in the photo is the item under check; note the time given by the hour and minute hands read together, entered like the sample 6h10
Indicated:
12h06
